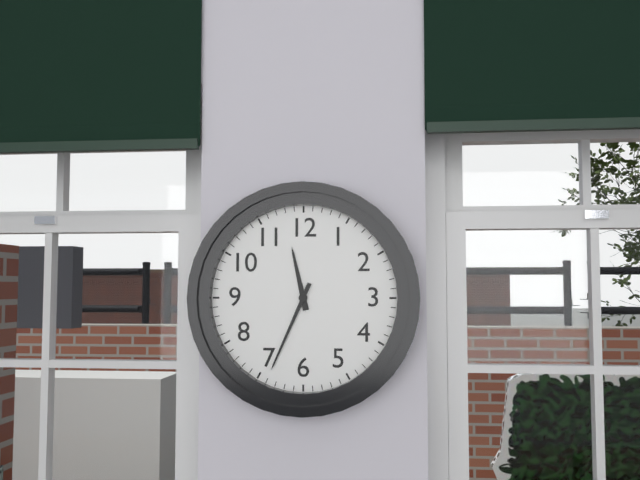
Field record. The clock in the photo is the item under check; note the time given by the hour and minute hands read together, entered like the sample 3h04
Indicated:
11h34
